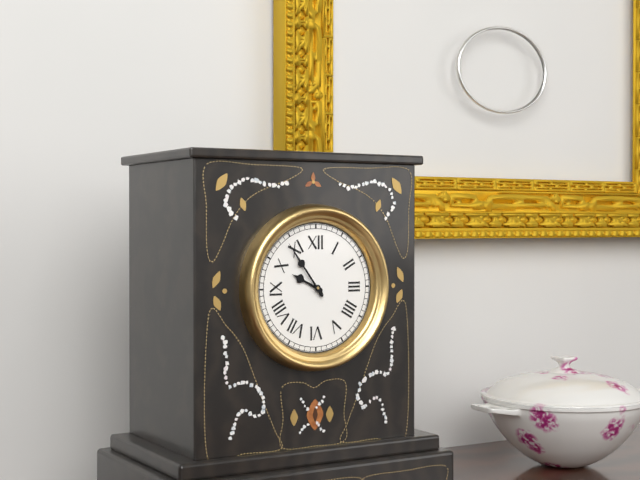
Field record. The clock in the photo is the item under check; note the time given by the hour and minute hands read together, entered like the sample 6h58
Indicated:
9h54
